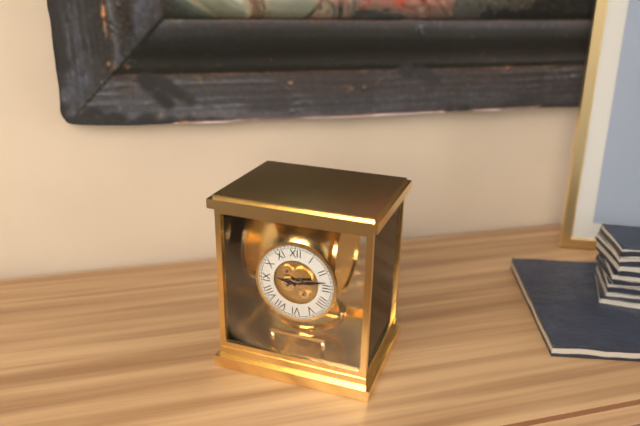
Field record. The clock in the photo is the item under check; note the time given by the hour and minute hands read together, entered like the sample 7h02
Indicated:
9h13
